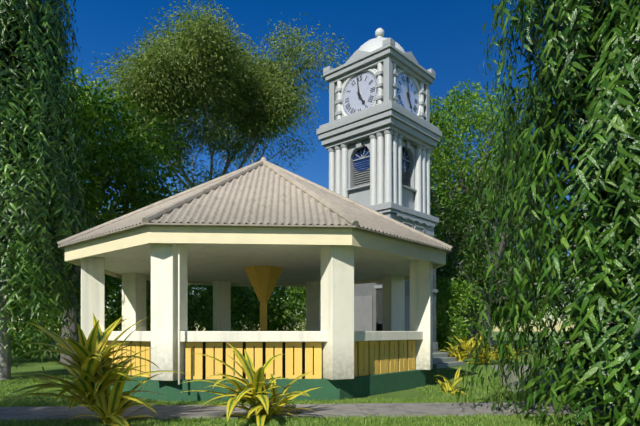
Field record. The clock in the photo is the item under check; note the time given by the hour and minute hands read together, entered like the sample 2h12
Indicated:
4h59
